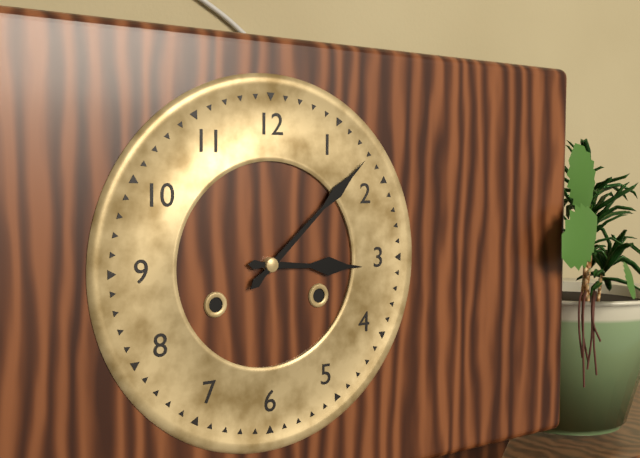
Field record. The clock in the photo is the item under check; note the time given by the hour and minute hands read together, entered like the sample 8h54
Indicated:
3h08
